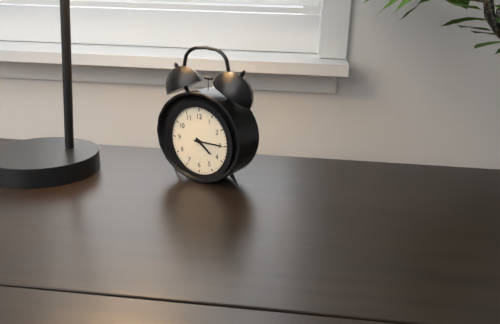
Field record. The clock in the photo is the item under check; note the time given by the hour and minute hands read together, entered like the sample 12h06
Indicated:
4h15
